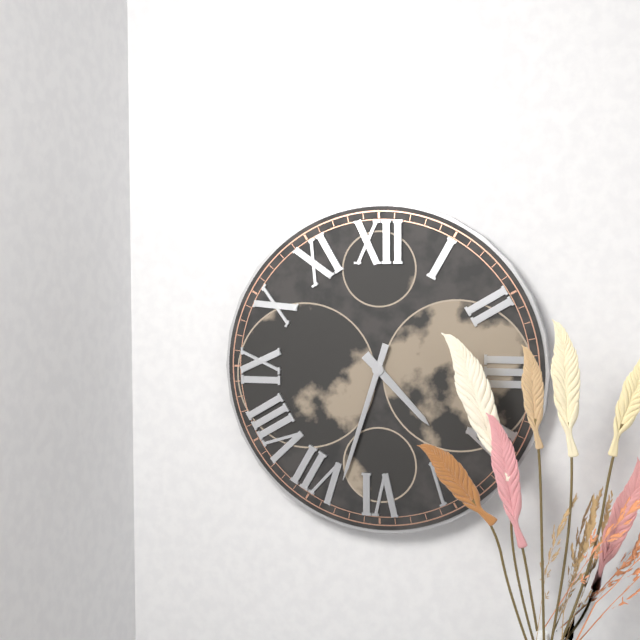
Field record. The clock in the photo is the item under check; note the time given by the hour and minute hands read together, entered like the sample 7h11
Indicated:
4h33
